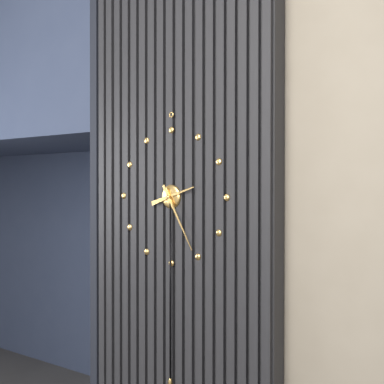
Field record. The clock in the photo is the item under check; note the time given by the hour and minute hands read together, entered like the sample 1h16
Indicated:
2h25
